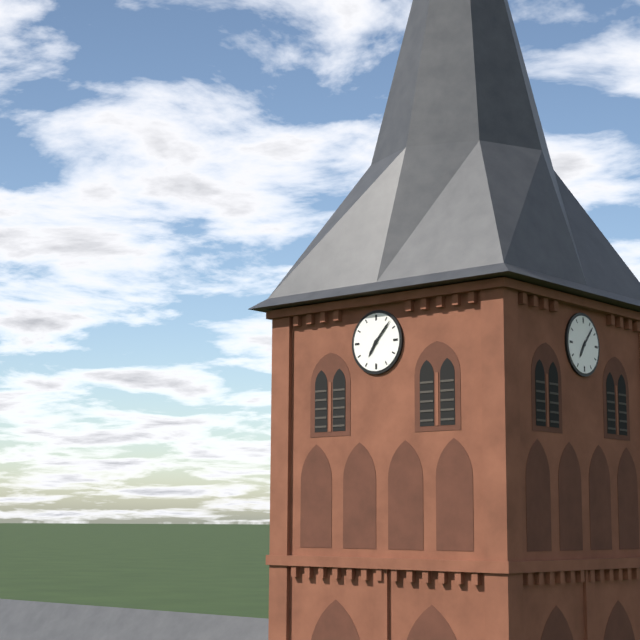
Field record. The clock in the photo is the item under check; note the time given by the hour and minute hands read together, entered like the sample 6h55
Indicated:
7h07
